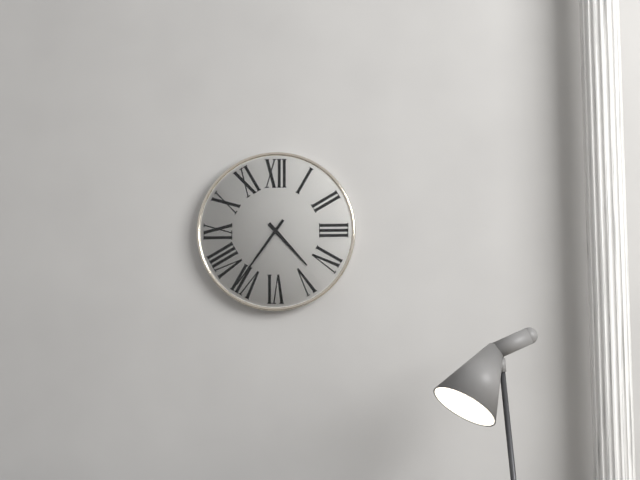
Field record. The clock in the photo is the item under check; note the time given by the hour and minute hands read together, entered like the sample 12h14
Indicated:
4h36
